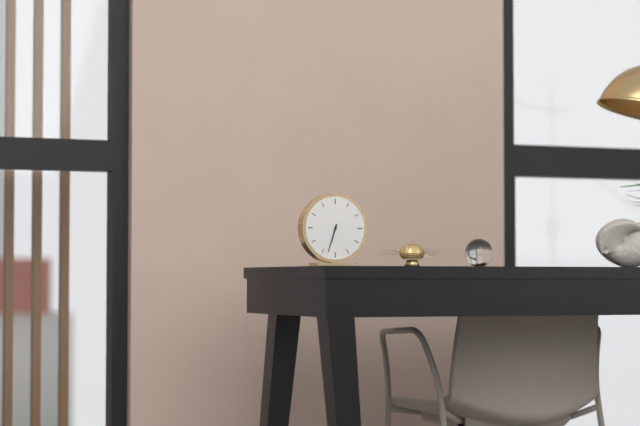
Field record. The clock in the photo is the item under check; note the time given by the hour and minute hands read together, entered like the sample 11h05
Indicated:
6h33
